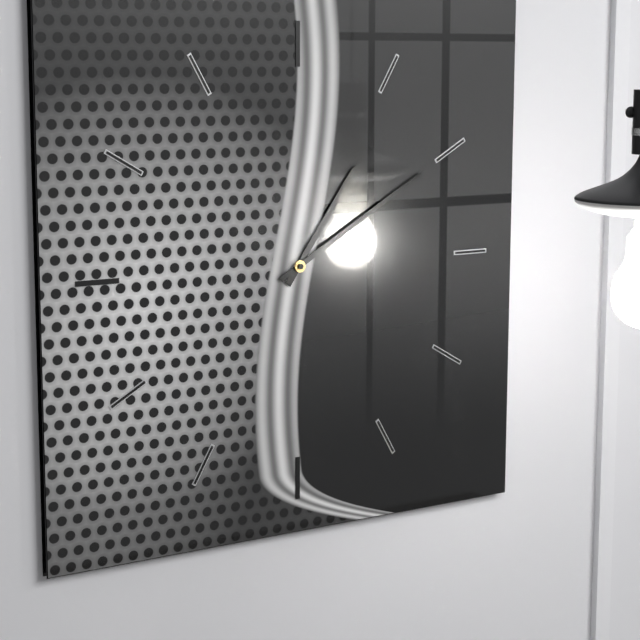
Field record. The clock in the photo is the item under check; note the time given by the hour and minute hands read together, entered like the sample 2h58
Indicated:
1h10
